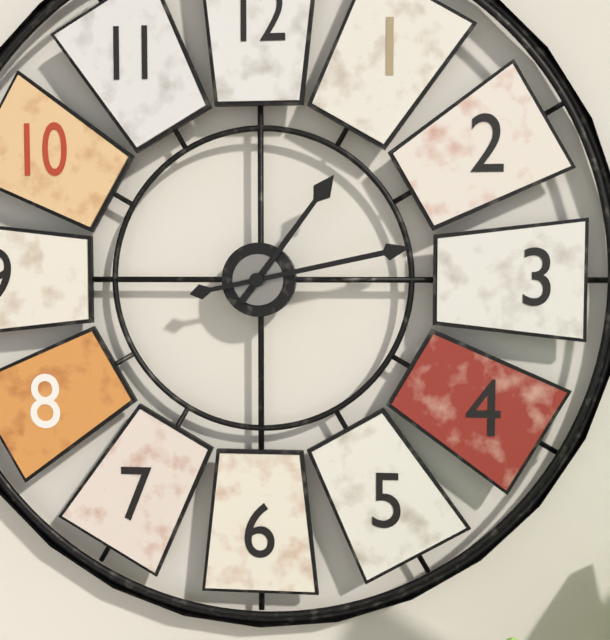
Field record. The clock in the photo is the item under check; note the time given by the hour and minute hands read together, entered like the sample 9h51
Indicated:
1h13
